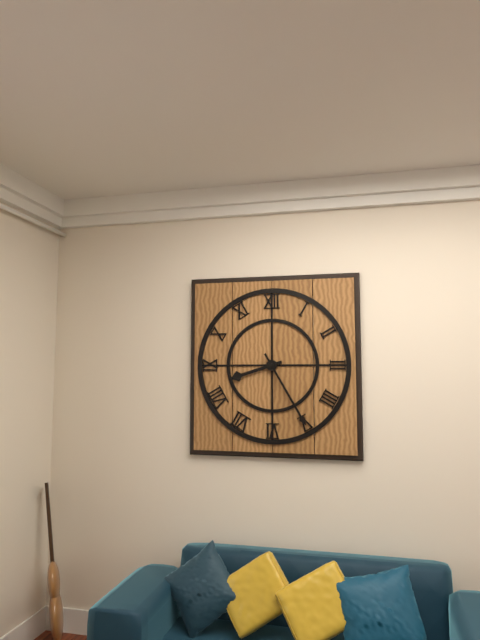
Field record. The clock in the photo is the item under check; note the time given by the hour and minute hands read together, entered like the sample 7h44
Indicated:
8h25
